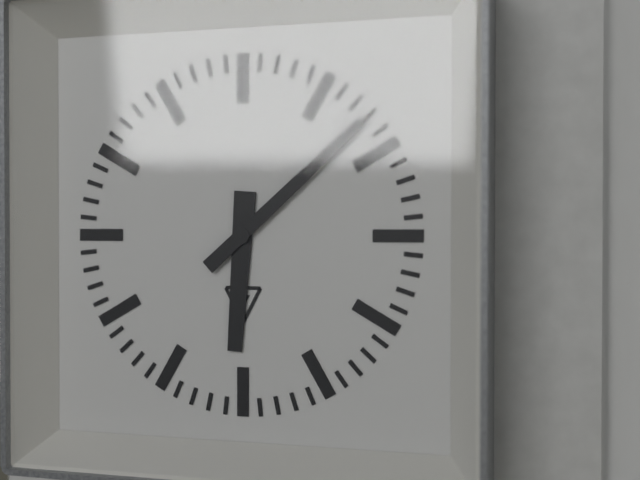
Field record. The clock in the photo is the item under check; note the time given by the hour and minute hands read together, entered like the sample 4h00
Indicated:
6h08
